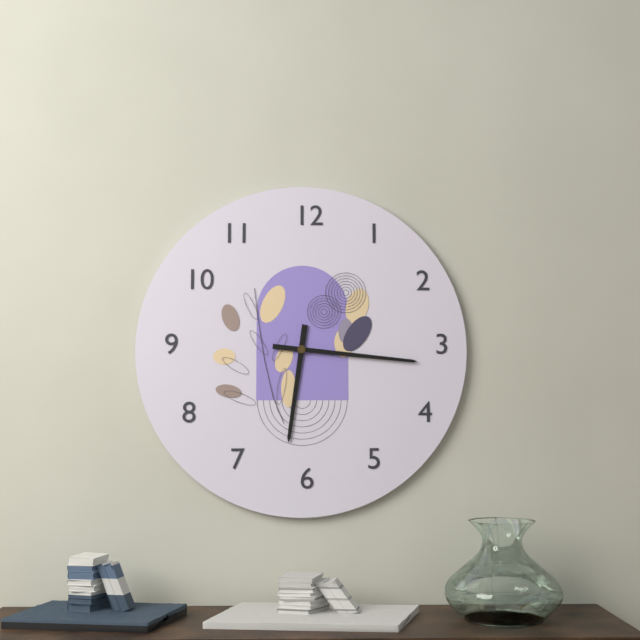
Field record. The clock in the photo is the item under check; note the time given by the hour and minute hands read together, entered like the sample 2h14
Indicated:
6h16
